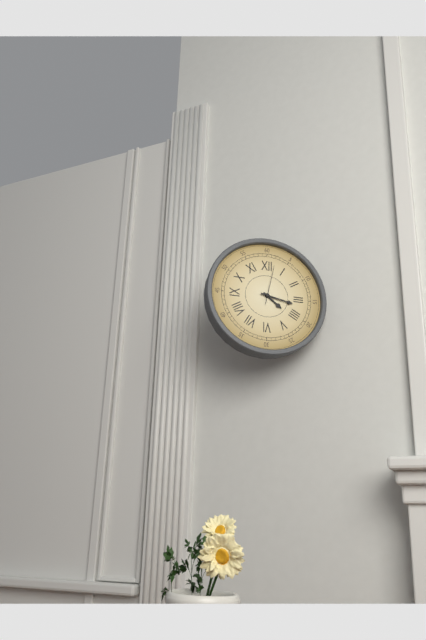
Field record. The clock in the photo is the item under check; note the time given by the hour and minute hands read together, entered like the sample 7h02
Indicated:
4h17
